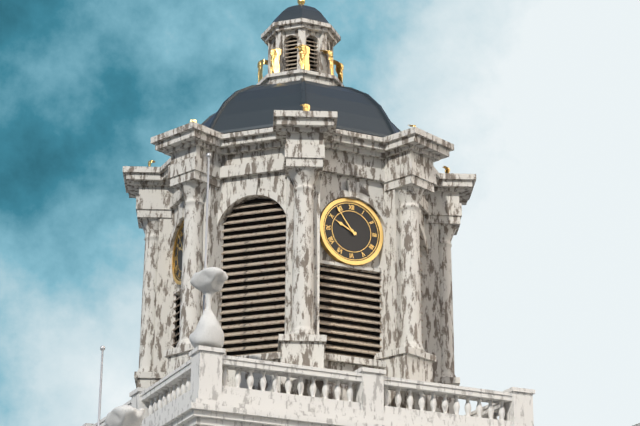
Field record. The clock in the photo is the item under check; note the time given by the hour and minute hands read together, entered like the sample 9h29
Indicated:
9h54
